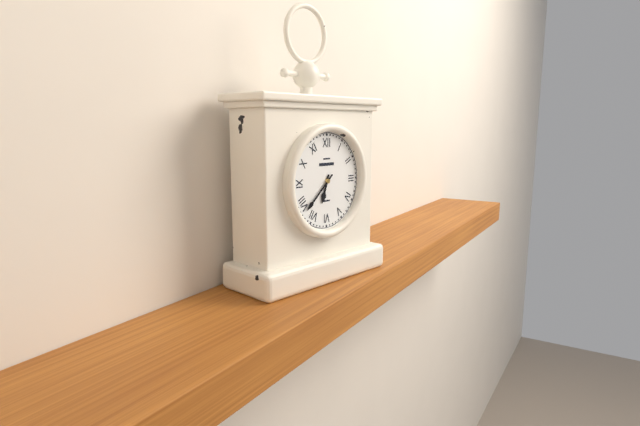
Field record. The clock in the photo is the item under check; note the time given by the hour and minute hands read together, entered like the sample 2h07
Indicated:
6h38
